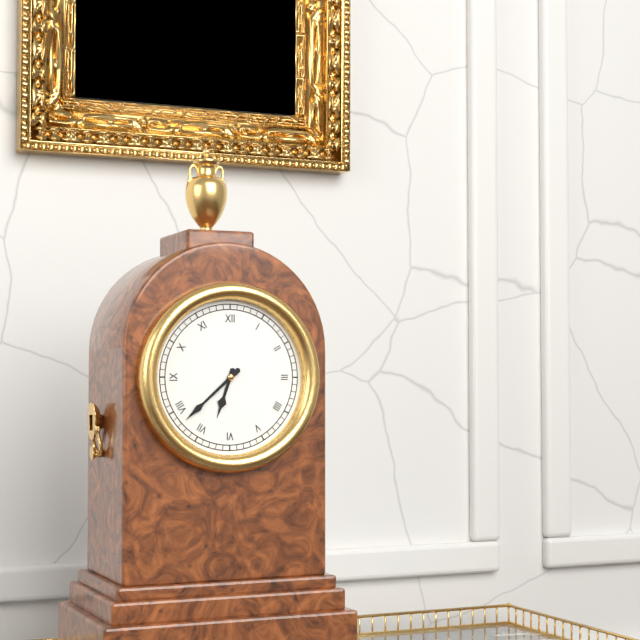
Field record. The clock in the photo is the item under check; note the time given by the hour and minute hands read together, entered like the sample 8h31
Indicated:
6h38
